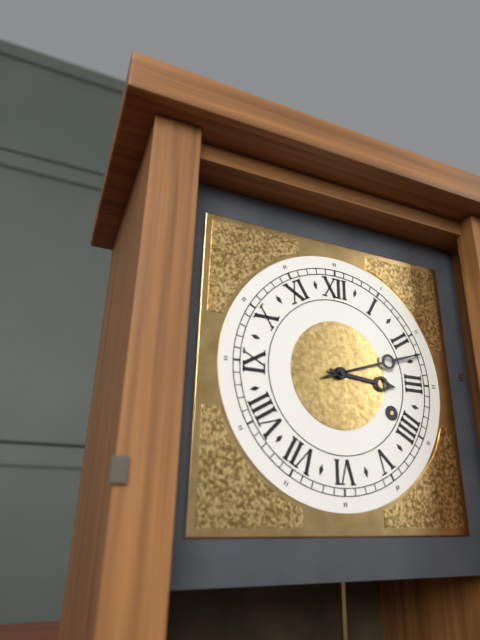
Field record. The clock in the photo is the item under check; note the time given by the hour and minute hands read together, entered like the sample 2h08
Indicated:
3h12
